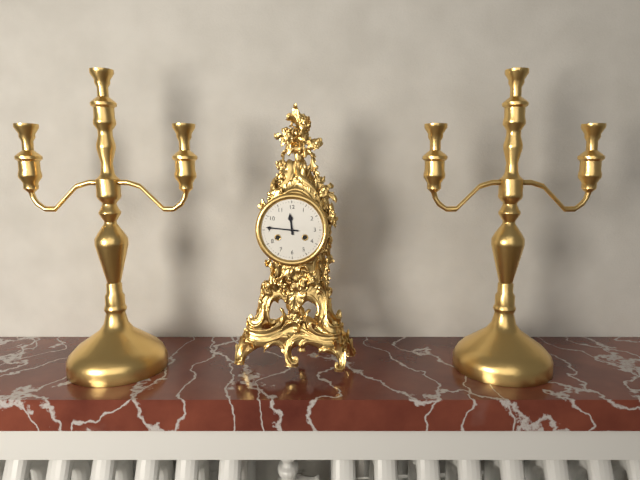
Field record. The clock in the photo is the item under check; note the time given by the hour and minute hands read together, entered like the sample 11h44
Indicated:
11h46
